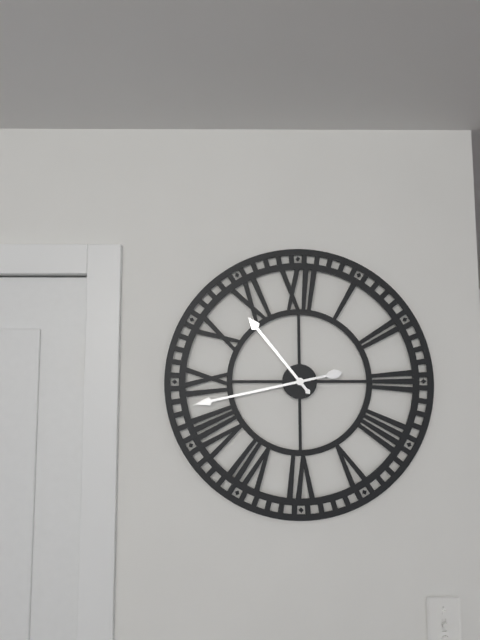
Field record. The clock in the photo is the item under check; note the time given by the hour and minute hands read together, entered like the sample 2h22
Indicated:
10h43
